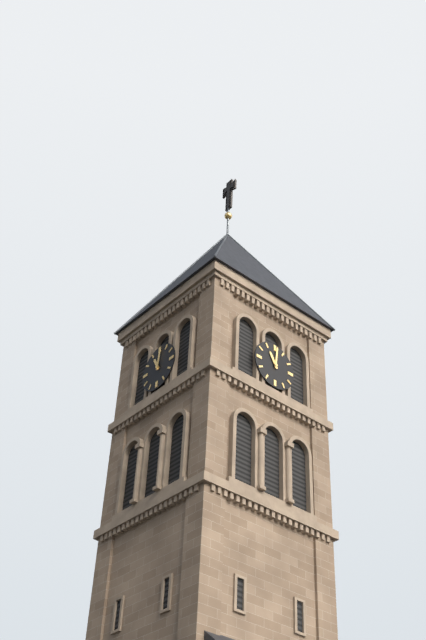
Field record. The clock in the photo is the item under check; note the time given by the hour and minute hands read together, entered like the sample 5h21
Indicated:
11h01
